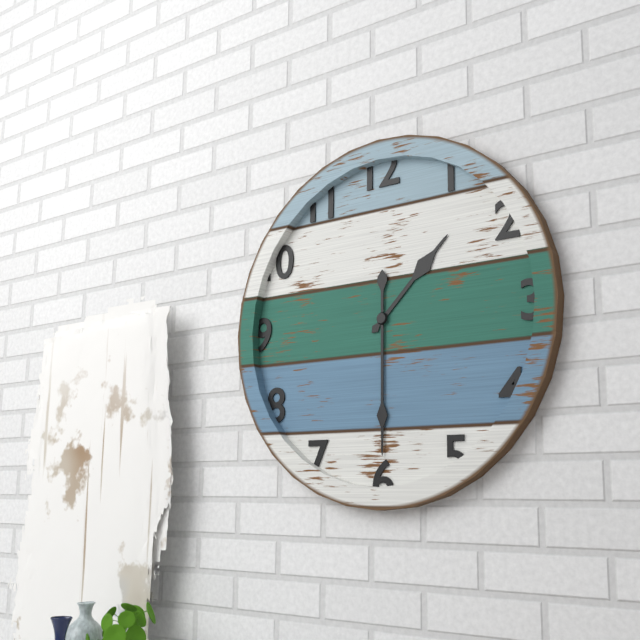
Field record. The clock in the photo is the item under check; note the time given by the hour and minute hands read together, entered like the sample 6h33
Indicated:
1h30
